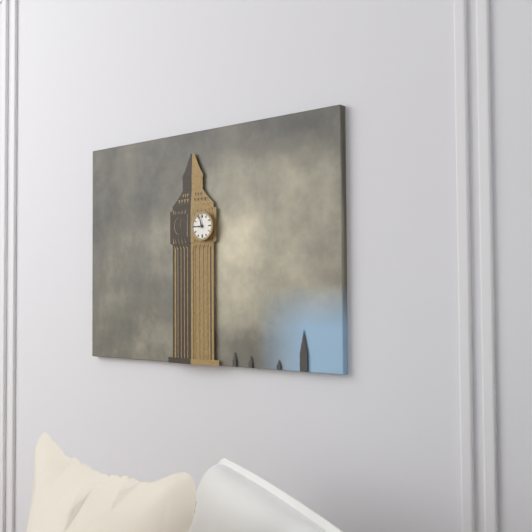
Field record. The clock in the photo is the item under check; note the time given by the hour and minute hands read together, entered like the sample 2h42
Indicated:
8h57
